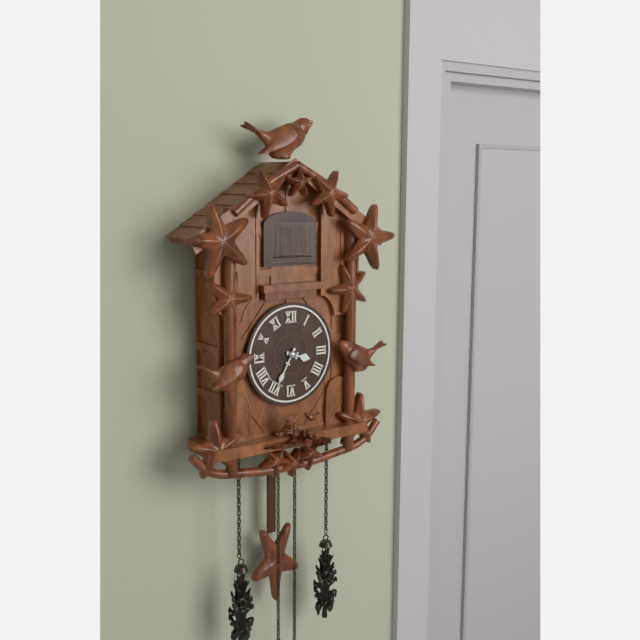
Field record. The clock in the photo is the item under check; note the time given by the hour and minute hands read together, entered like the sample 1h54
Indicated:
3h35
